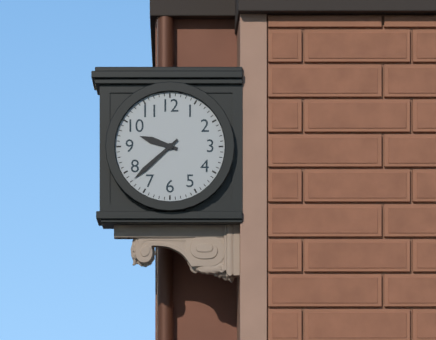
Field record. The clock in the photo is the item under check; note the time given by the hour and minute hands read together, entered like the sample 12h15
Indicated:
9h38
